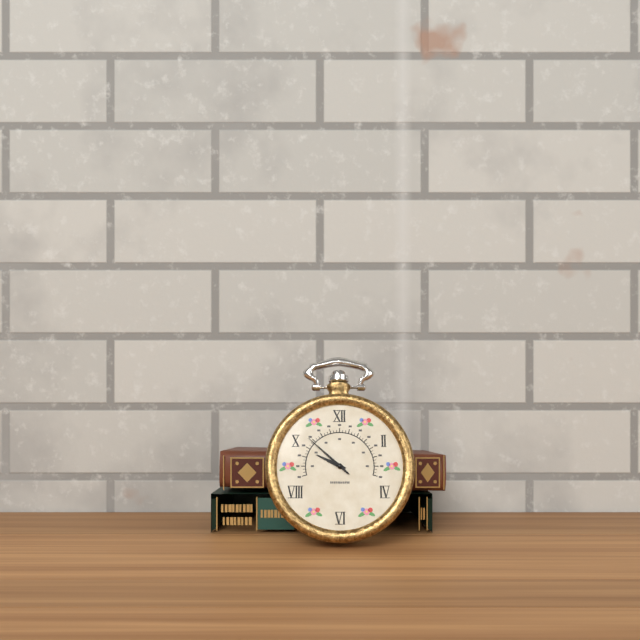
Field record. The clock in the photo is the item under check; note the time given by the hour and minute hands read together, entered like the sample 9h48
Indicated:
9h52
